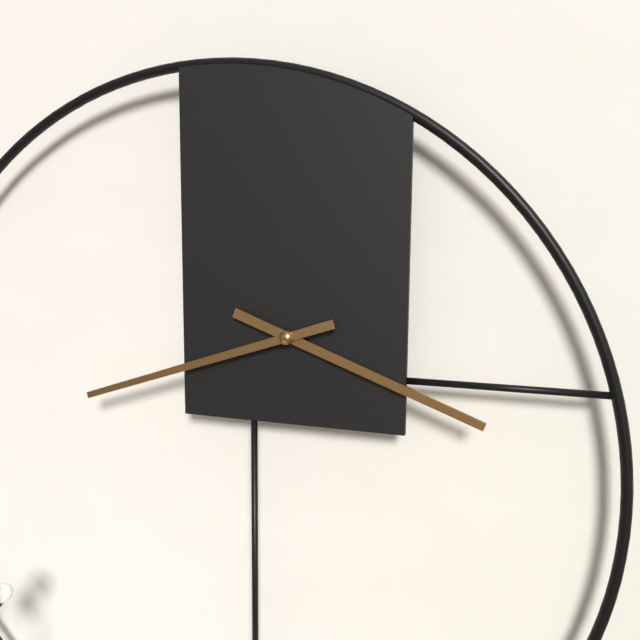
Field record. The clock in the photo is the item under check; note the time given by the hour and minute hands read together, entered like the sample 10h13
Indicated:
3h42
